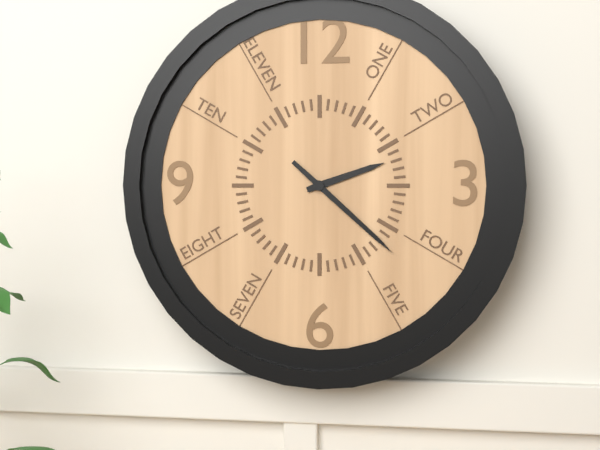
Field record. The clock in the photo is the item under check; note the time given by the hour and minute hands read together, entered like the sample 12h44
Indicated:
2h22
